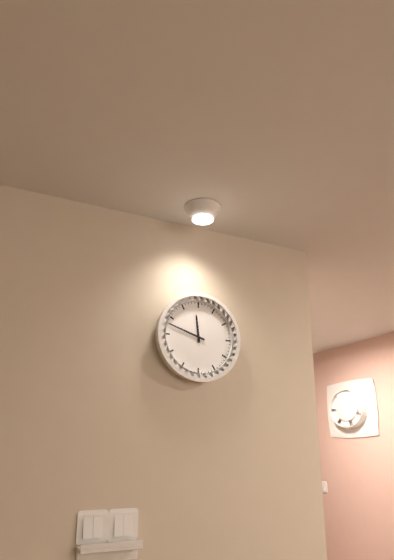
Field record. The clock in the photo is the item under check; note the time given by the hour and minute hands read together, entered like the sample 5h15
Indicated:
11h48
